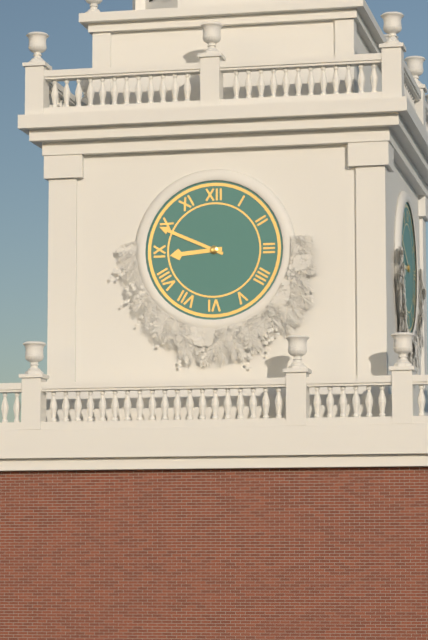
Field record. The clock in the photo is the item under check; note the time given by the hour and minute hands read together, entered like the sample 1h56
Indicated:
8h49
